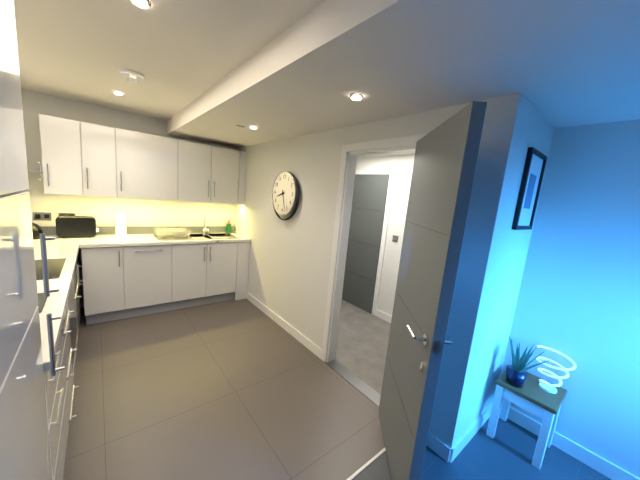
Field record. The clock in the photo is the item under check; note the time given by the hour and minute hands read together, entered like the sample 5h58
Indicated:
8h27
